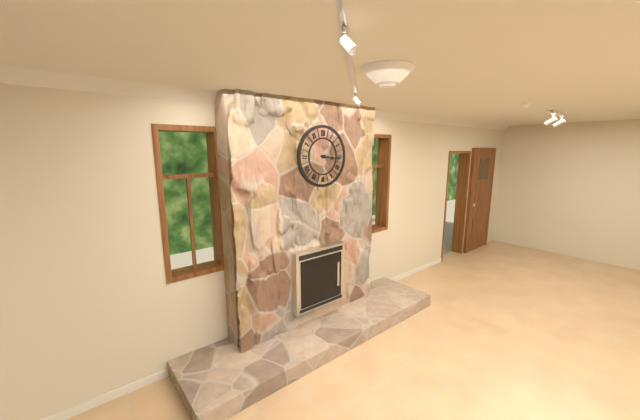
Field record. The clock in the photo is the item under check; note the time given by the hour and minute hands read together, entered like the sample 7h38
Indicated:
3h16
